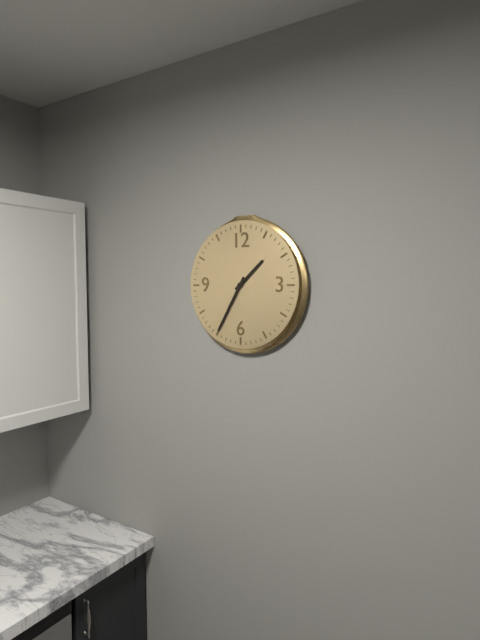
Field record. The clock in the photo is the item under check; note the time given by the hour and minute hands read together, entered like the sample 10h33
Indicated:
1h35
